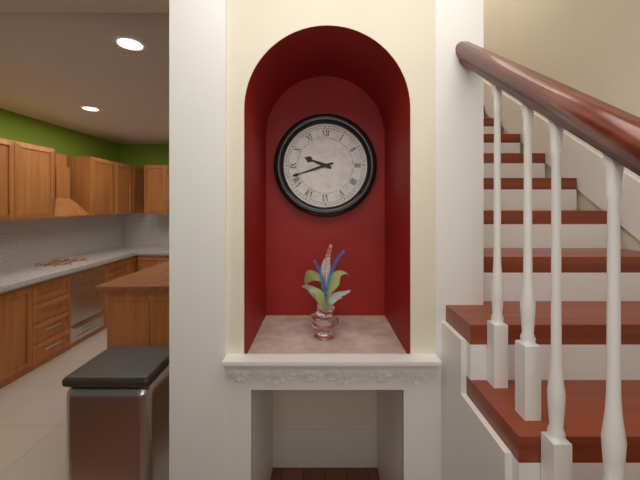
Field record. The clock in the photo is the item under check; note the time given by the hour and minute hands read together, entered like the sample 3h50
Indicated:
9h42
